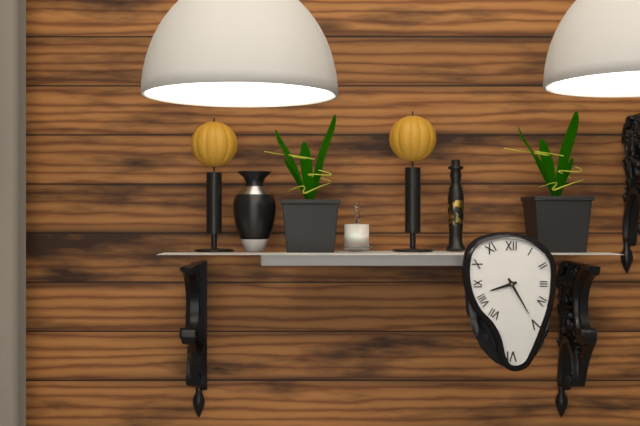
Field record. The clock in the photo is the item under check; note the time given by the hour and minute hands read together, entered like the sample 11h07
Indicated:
8h25
